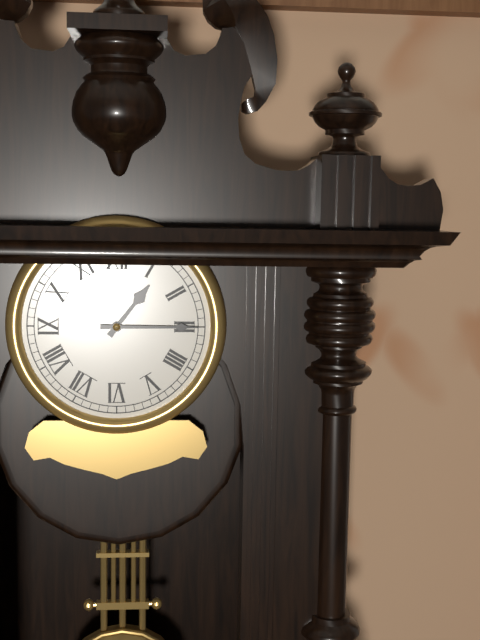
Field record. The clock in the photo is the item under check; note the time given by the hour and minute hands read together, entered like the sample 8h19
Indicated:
1h15
